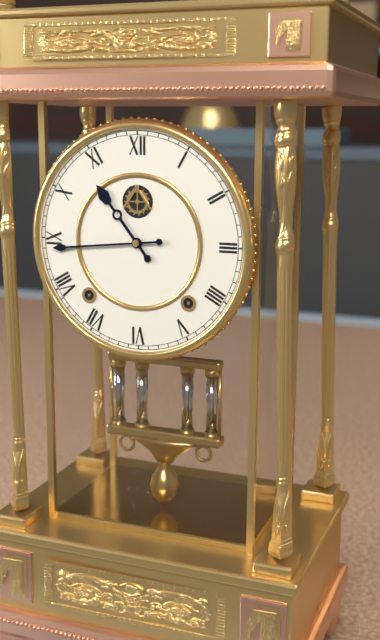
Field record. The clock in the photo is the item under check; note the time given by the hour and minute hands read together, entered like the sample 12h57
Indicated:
10h44
